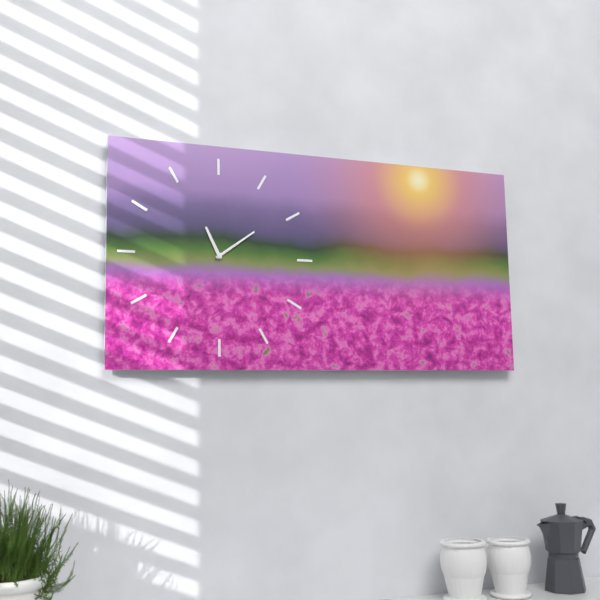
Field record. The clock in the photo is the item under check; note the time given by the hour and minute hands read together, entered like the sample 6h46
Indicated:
11h09
